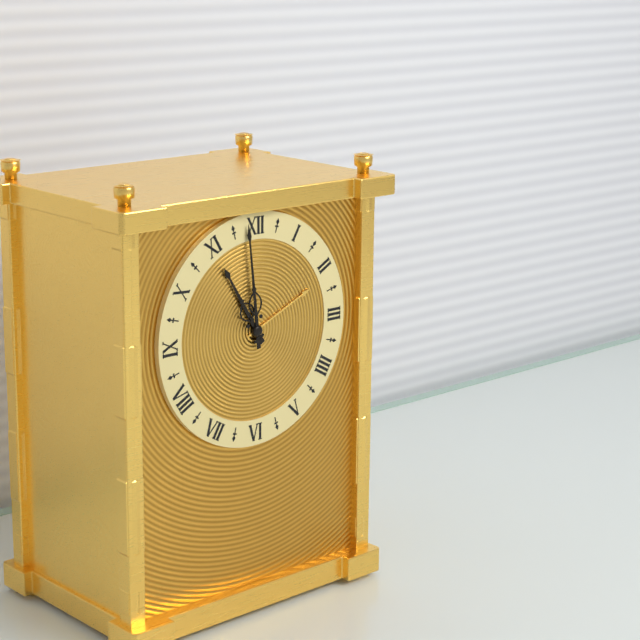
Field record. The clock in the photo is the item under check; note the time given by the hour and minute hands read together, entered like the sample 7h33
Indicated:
10h59
